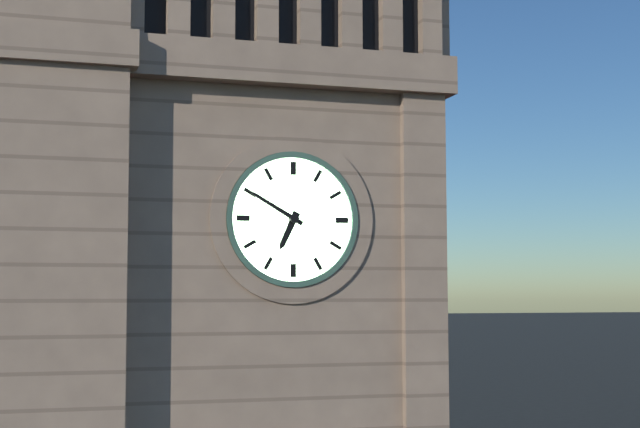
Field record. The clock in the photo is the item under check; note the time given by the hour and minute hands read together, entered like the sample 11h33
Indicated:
6h50
